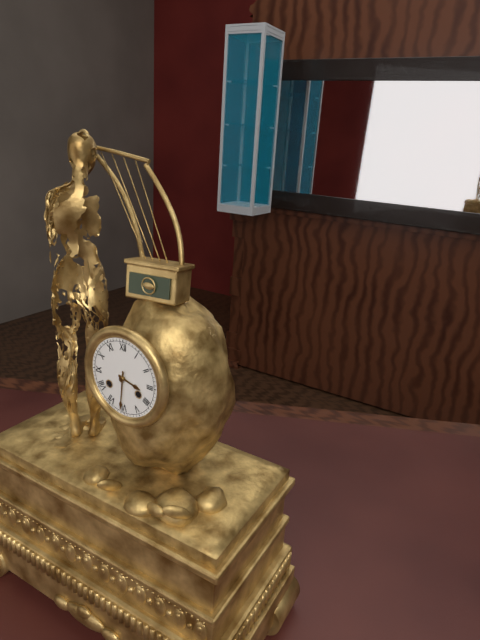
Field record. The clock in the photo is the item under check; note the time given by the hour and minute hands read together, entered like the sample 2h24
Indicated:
3h31
